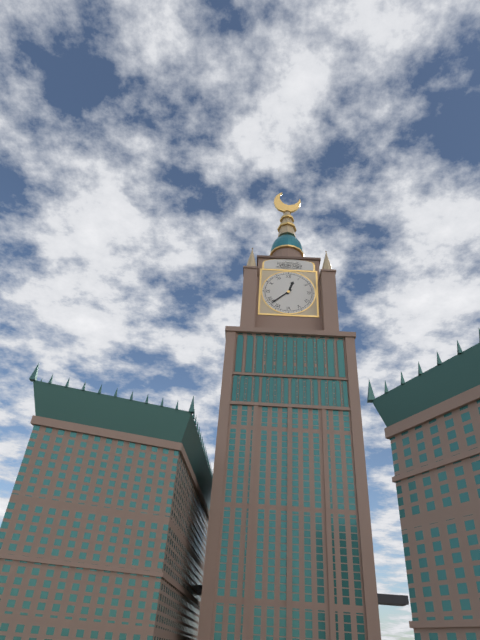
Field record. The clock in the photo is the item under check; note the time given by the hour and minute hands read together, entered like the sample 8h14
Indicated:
12h38
